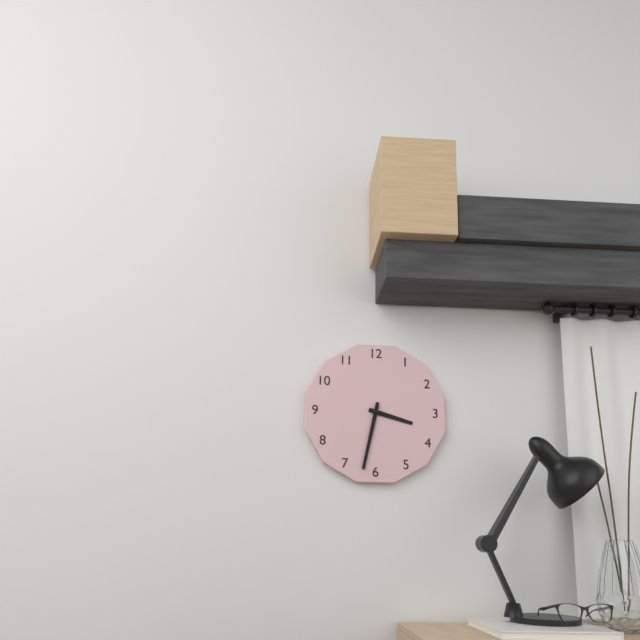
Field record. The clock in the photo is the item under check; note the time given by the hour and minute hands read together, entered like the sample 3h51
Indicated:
3h32
